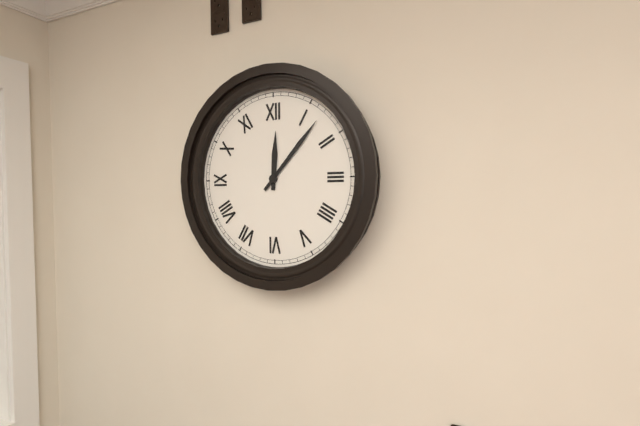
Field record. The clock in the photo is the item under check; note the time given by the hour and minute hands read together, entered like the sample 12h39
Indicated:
12h07
